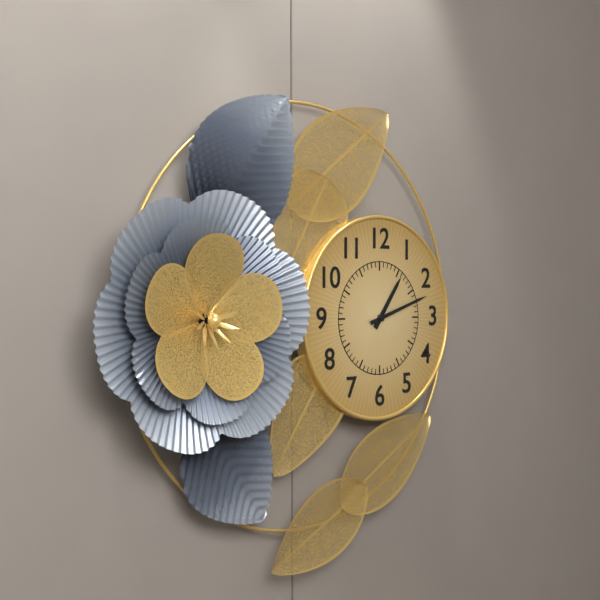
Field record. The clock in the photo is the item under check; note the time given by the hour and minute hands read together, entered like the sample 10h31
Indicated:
1h12
